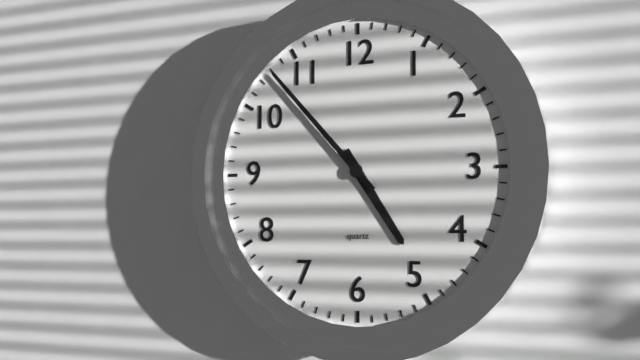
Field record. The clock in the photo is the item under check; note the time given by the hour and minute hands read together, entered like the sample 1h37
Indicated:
4h53
